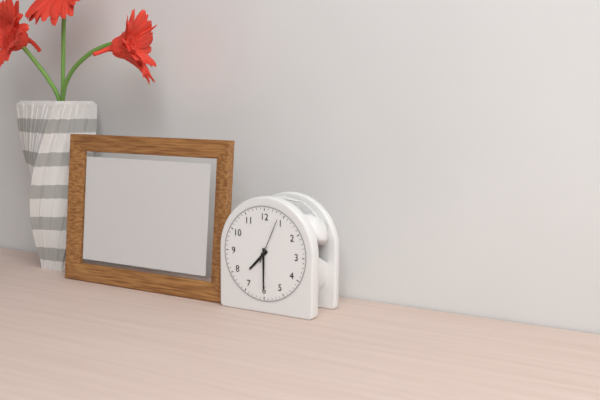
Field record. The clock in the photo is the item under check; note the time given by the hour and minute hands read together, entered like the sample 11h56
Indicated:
7h30
